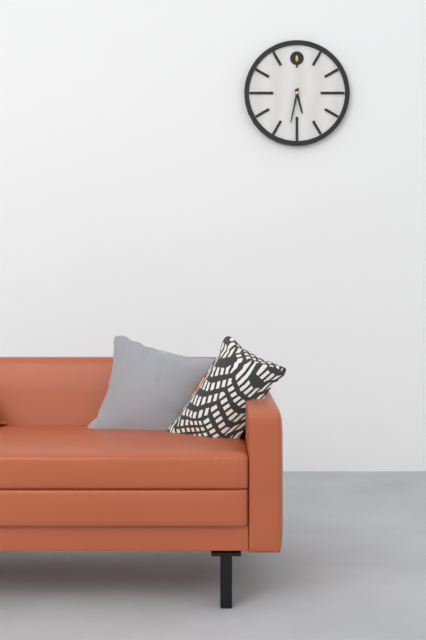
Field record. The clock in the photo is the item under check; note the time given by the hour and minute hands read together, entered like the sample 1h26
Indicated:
5h32
